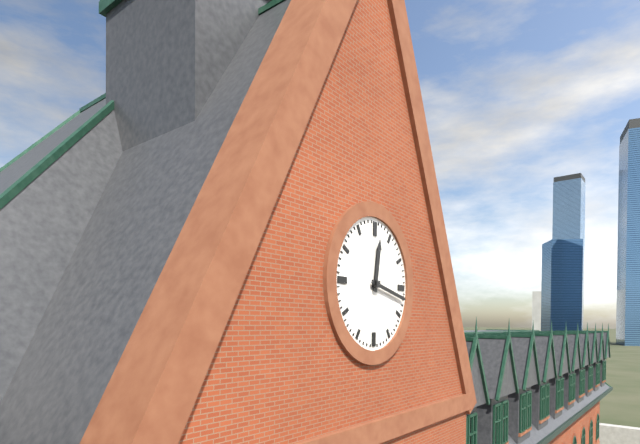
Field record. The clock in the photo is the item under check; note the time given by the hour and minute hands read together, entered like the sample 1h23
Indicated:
12h17
